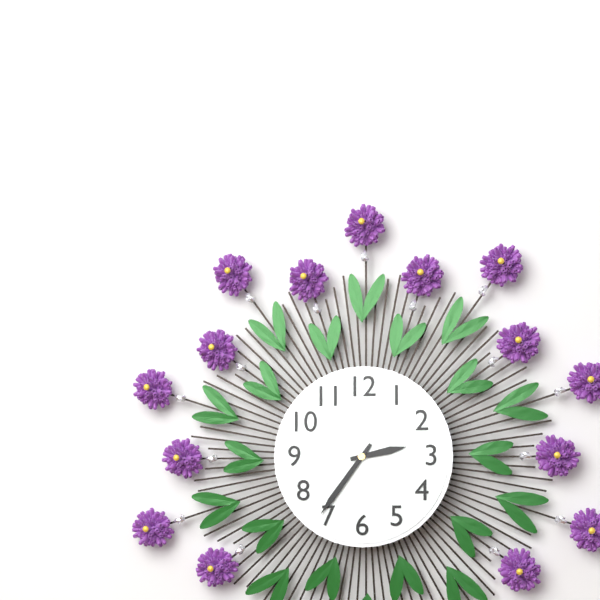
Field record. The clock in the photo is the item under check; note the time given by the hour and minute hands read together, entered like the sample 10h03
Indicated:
2h36
